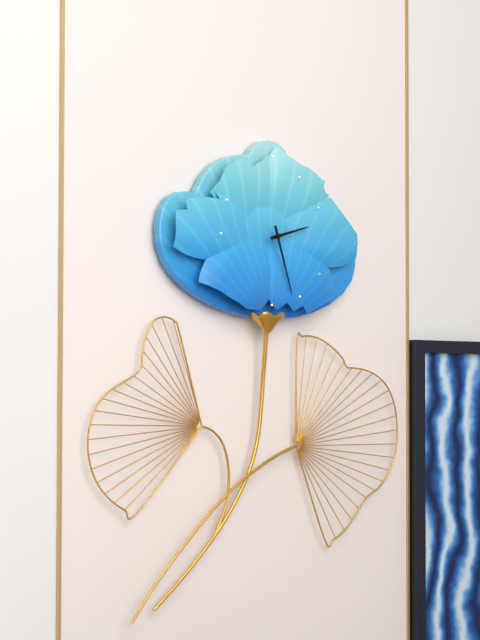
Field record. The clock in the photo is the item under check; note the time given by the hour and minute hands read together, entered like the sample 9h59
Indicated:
2h27
